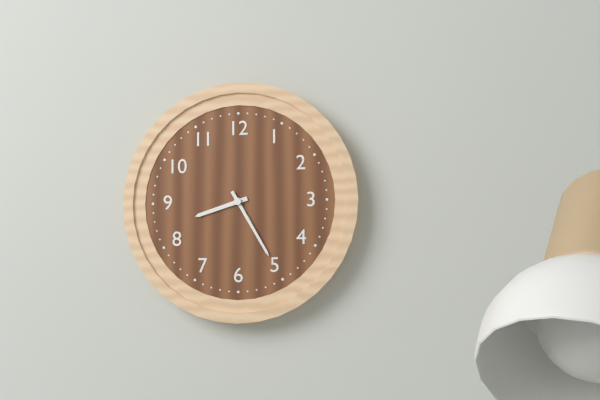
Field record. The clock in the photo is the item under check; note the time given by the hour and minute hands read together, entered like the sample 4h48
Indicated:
8h25
